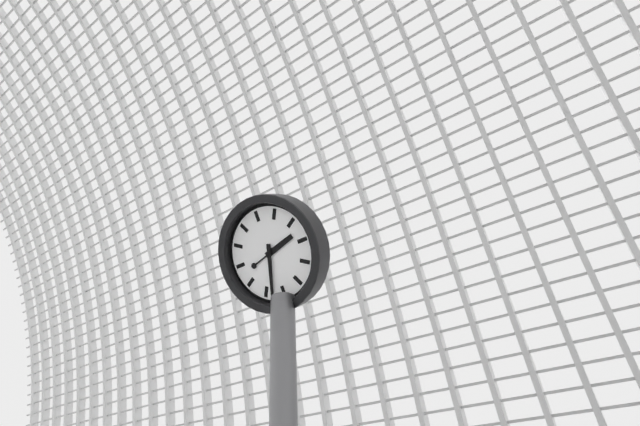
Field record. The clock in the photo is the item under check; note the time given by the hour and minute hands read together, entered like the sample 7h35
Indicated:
2h33
